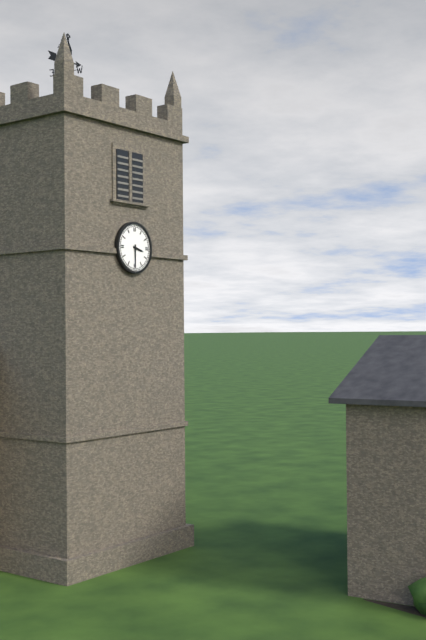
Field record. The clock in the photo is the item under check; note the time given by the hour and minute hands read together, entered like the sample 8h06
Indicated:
3h30
